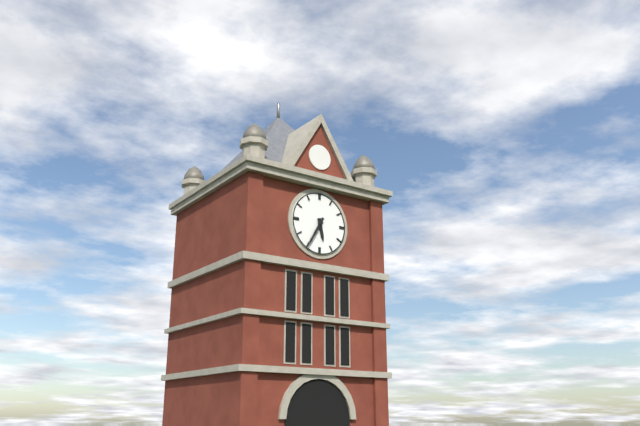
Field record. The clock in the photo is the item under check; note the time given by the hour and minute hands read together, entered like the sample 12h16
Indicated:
5h35
